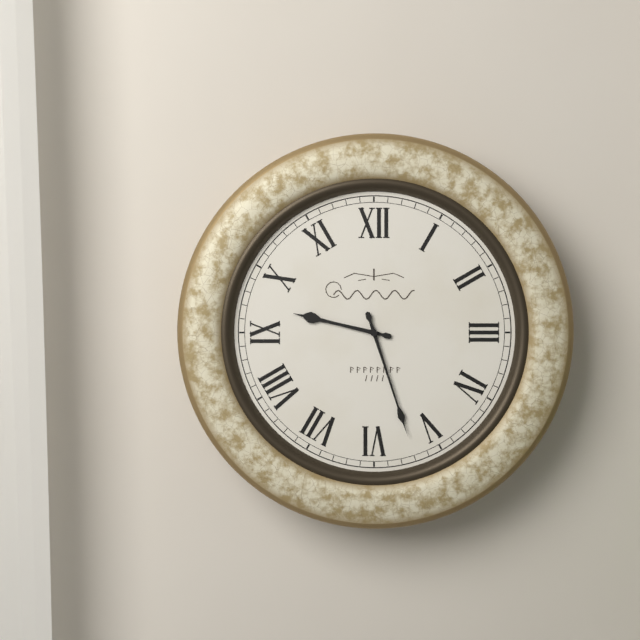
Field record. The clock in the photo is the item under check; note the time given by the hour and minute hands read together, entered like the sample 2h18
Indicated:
9h27
